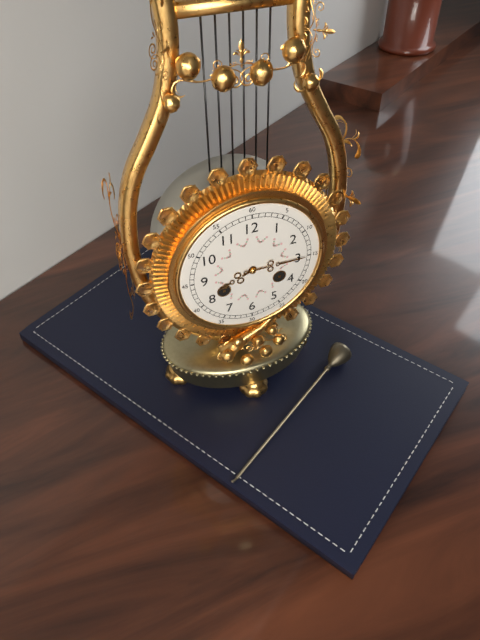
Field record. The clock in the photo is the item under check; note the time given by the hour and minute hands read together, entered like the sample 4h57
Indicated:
8h15
